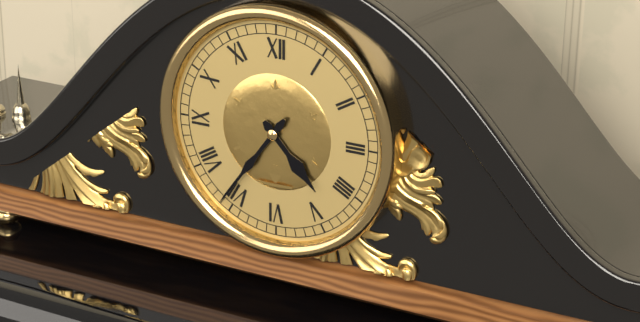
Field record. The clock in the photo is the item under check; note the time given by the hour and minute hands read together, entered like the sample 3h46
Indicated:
4h36
